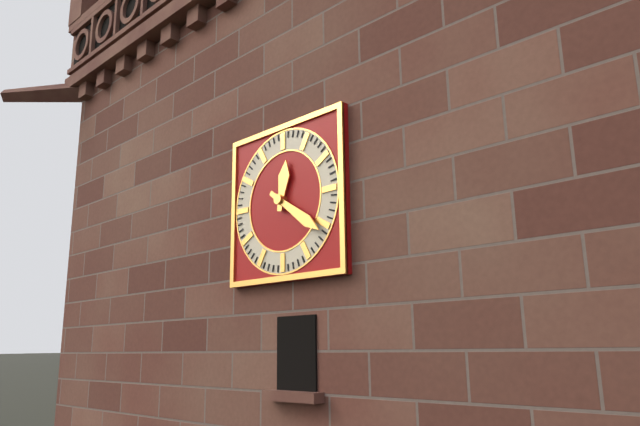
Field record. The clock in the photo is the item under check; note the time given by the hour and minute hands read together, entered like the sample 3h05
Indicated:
12h21
